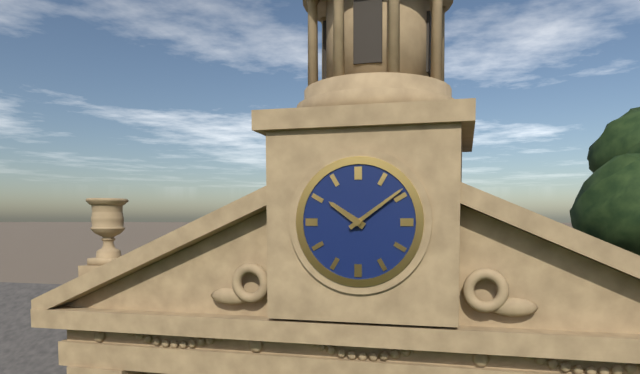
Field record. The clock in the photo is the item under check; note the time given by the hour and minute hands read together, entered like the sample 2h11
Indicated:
10h09
